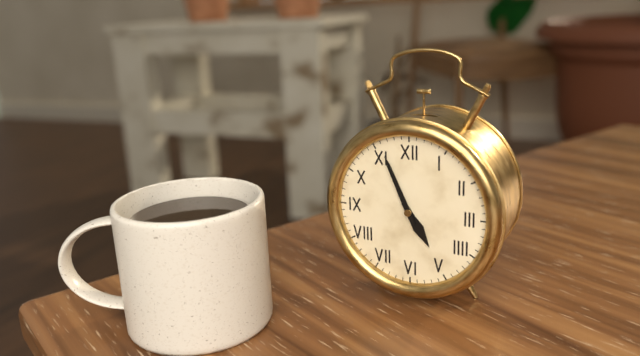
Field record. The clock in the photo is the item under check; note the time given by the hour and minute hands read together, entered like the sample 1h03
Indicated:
4h56
